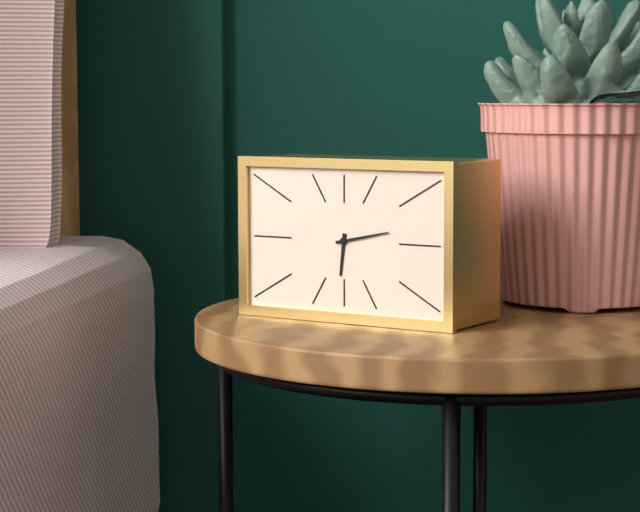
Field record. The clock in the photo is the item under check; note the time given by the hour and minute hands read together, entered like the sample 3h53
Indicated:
6h13
